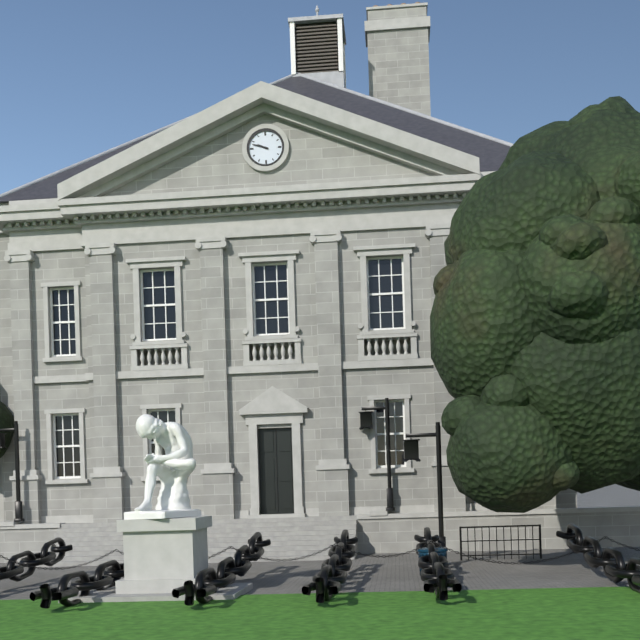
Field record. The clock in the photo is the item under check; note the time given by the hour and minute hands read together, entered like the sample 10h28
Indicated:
9h48
